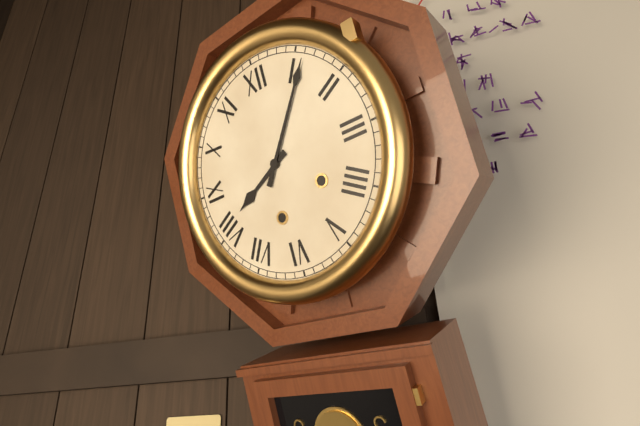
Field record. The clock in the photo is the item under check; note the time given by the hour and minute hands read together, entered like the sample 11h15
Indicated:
8h06
